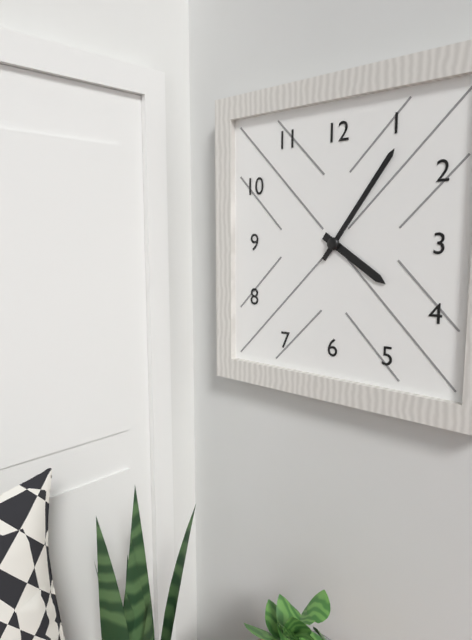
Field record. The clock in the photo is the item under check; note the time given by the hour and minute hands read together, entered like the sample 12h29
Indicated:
4h06
